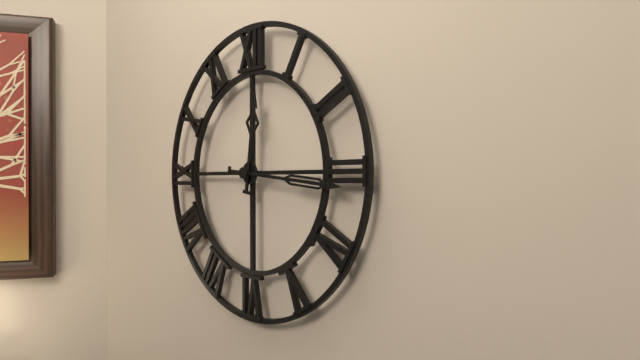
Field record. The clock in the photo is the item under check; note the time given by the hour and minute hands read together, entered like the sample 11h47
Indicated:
12h16
